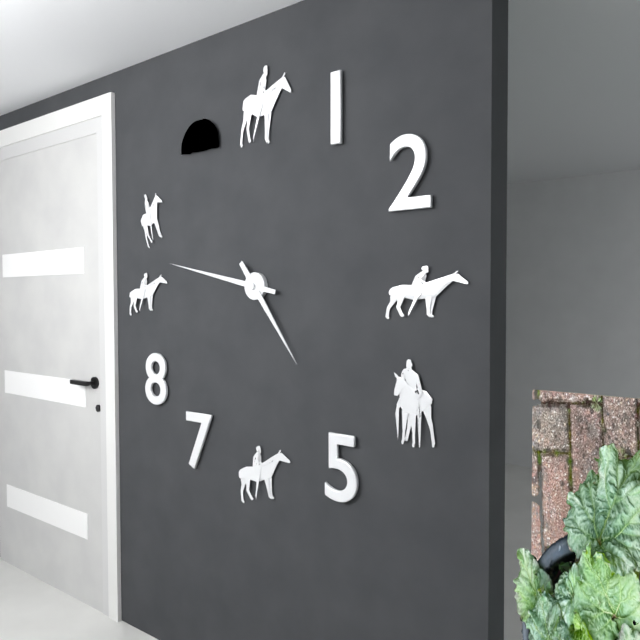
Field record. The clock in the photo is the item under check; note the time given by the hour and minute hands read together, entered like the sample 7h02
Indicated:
4h47
